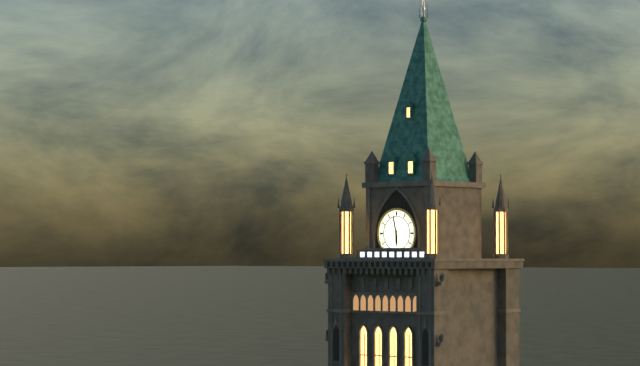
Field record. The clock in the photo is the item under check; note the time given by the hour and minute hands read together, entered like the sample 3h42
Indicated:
5h58
